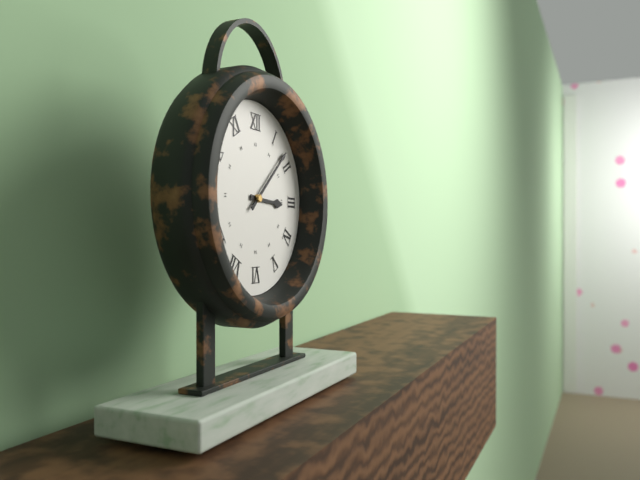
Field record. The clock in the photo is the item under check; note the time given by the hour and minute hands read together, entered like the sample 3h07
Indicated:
3h08
